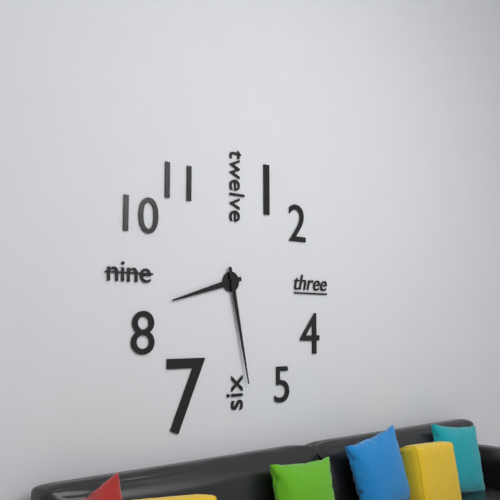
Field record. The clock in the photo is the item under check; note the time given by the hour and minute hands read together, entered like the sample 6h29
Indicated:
8h28
